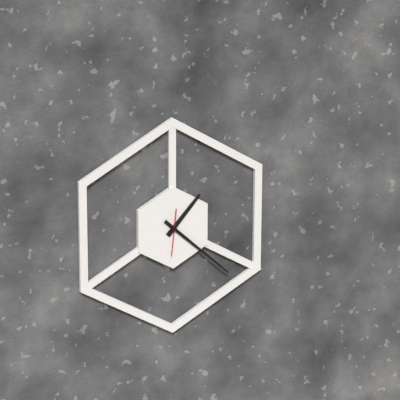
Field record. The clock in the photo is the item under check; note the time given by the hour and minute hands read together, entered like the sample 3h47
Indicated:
1h22
